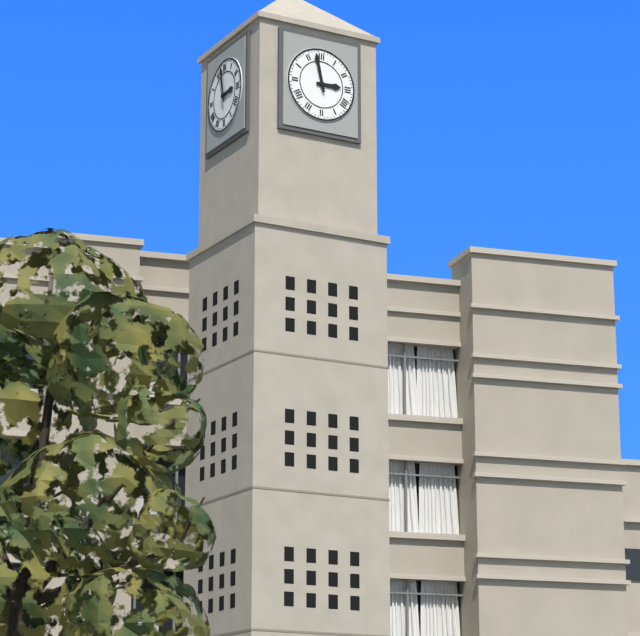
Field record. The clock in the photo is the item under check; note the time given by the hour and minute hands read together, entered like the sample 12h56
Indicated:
2h58
